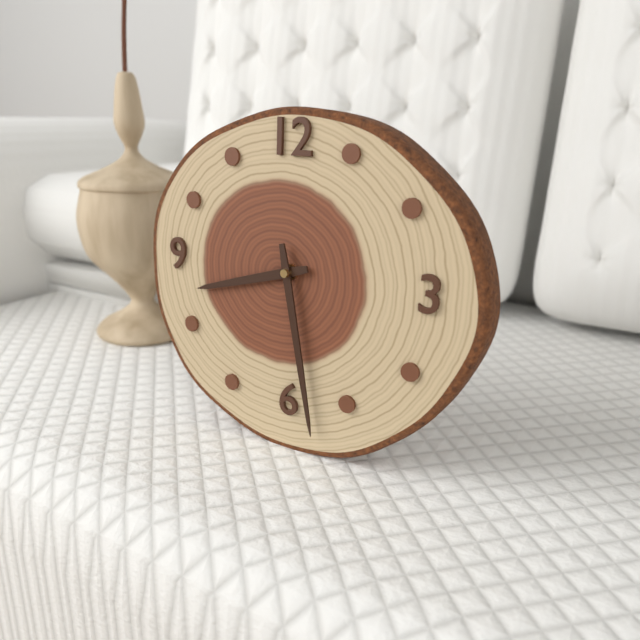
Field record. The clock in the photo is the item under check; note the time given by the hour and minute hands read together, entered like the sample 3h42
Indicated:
8h28
